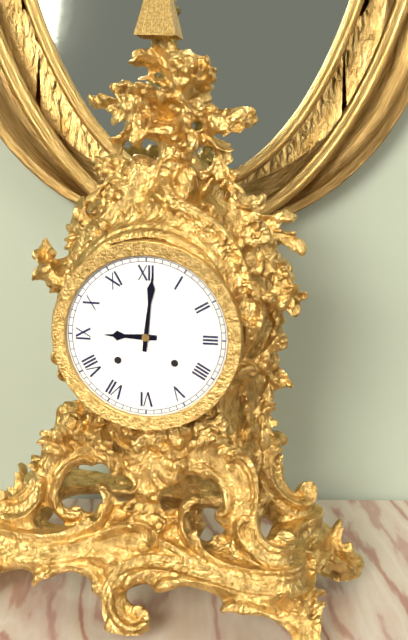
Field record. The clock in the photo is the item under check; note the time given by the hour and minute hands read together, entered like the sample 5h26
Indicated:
9h01
